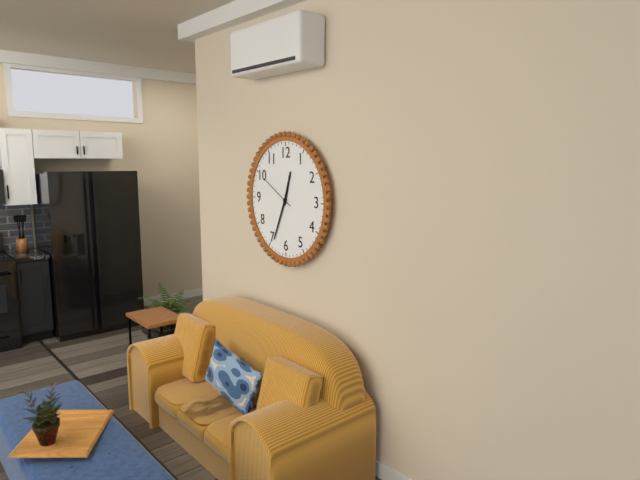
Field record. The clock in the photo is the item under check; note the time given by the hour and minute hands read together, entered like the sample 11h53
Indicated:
12h34
